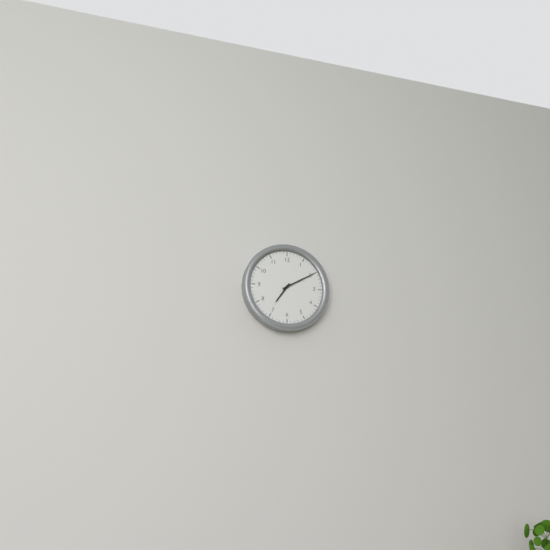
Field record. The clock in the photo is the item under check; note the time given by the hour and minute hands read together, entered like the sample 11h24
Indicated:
7h10
